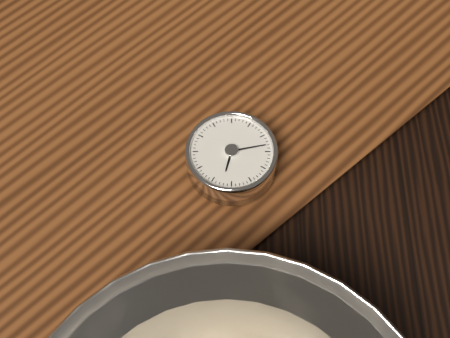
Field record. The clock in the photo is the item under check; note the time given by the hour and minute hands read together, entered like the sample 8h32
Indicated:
9h28
